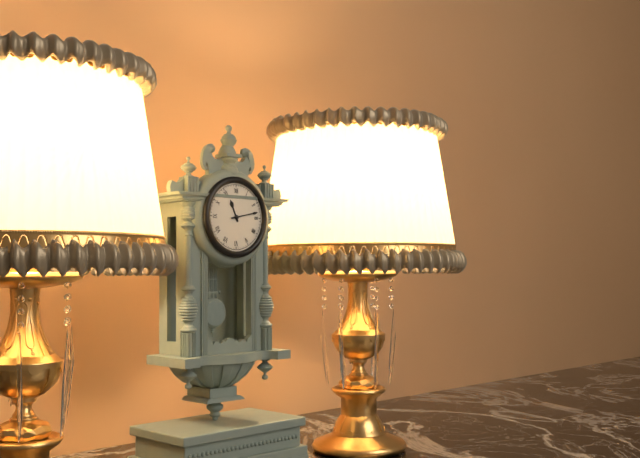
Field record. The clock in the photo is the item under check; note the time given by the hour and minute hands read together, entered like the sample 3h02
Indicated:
11h13
